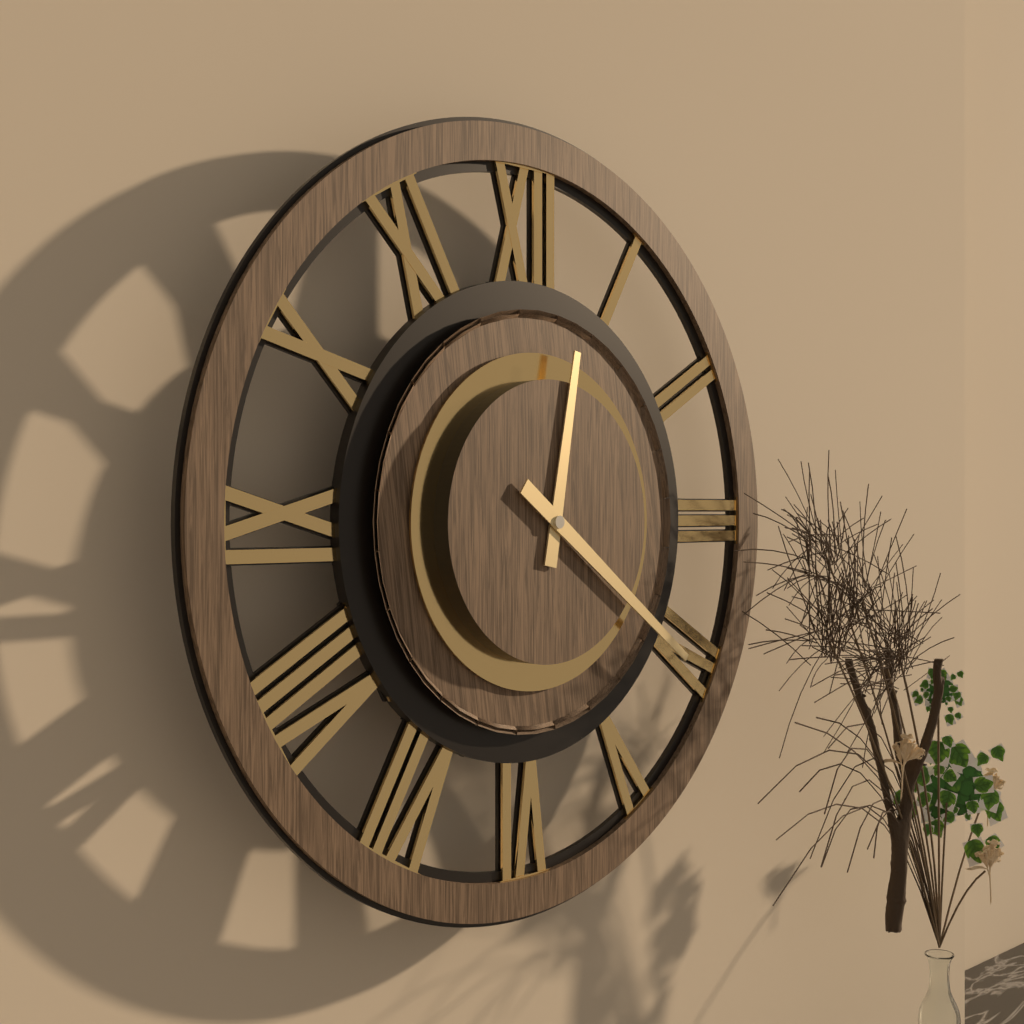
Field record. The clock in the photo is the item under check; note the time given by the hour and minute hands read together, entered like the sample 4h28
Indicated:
12h21
